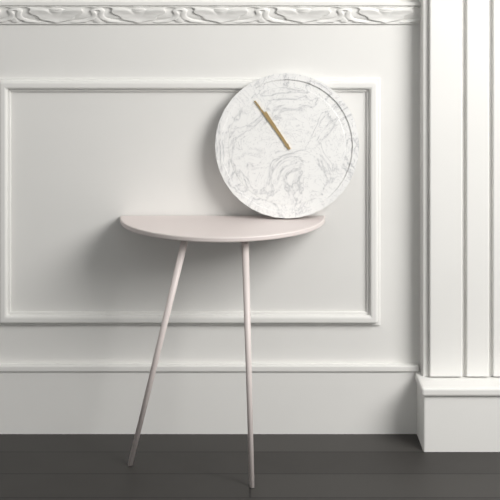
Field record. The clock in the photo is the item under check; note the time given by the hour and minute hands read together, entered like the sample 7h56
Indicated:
10h54
